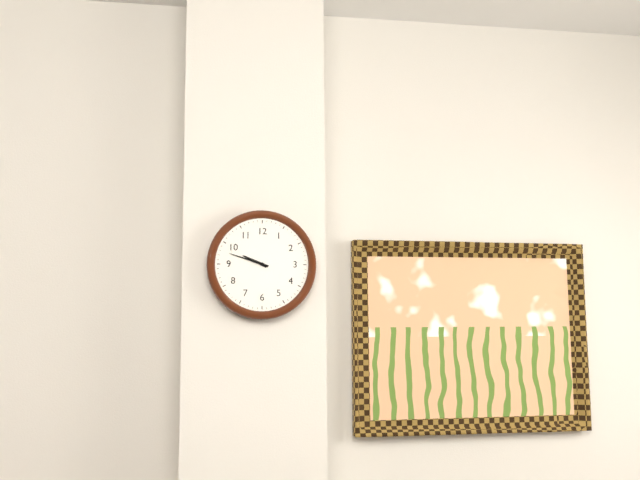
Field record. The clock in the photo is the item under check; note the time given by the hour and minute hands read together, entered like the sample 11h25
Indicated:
9h48
